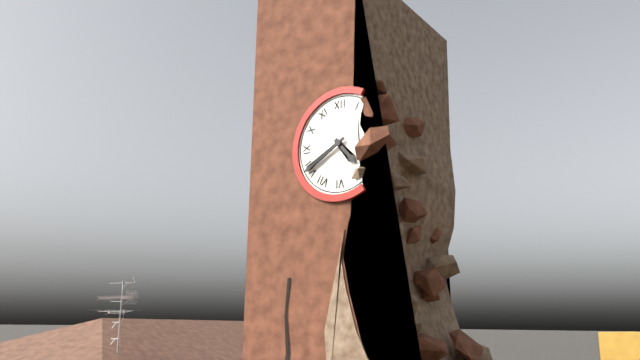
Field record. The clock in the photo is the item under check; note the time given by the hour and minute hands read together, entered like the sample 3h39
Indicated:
4h40
